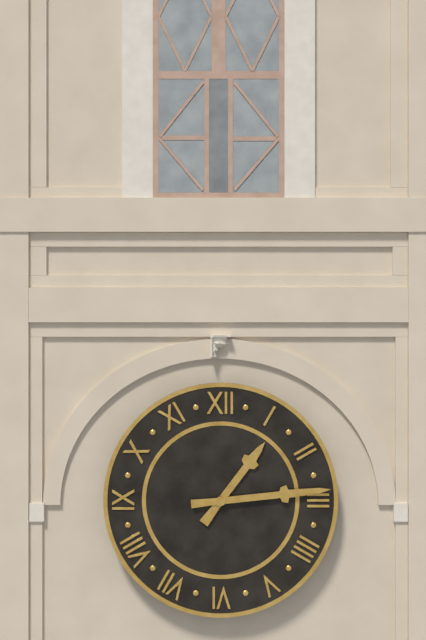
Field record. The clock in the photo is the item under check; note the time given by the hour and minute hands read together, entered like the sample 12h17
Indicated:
1h14
